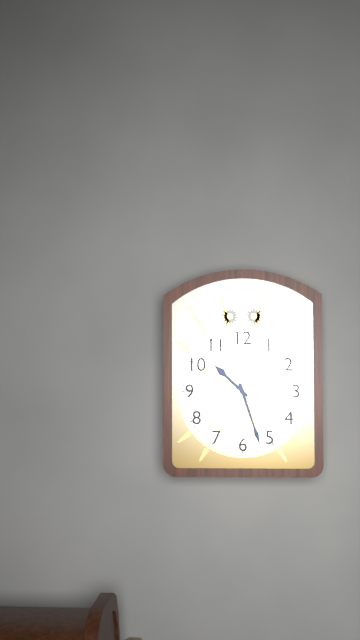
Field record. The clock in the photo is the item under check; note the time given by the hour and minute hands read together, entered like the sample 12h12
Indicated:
10h27
